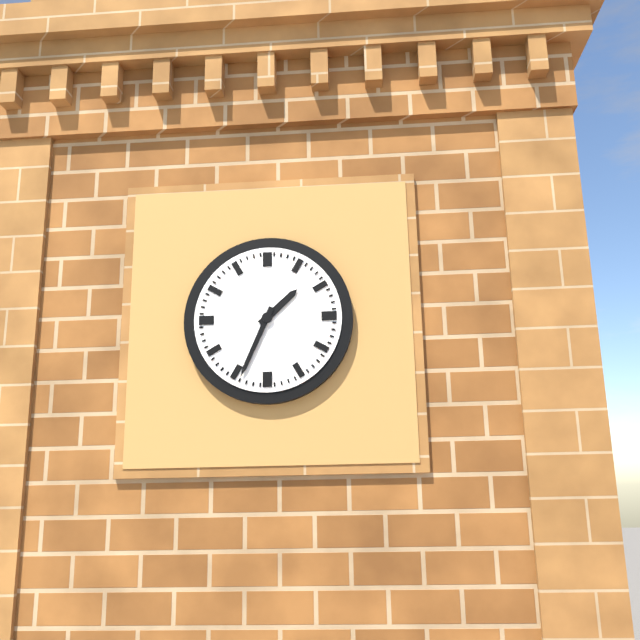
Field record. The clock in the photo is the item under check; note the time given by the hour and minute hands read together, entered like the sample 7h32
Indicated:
1h34
